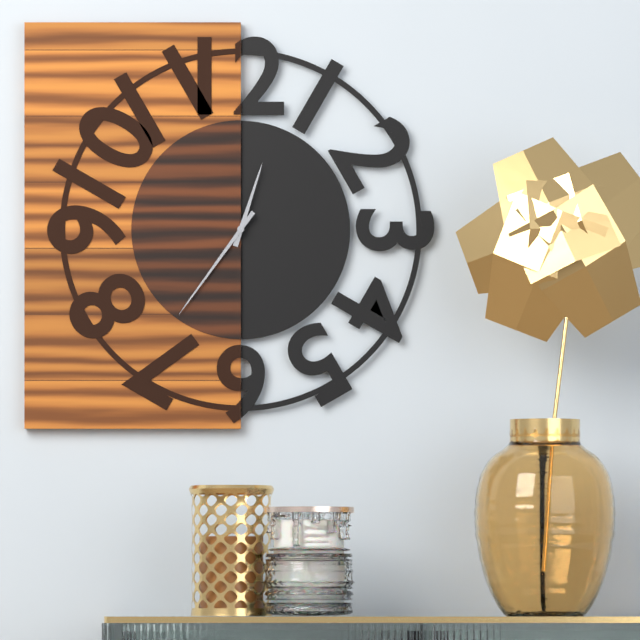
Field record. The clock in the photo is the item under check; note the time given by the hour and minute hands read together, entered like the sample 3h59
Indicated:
12h36
